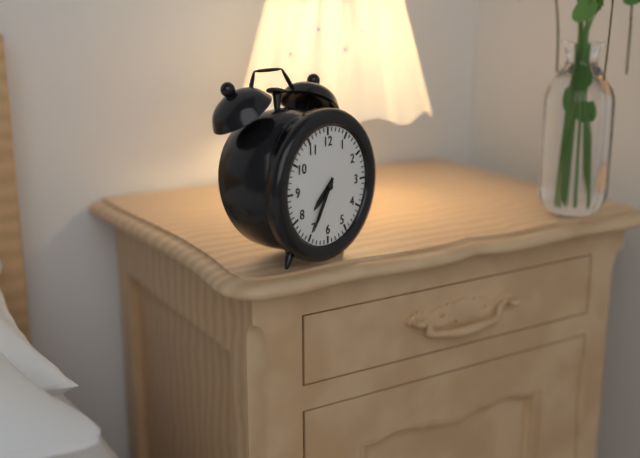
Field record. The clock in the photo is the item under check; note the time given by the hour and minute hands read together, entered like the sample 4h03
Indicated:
7h35
